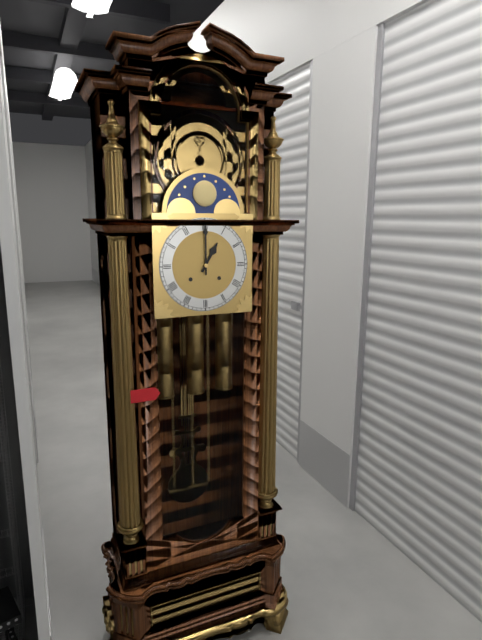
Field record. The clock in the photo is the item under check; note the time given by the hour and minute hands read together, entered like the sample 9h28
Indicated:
1h00
